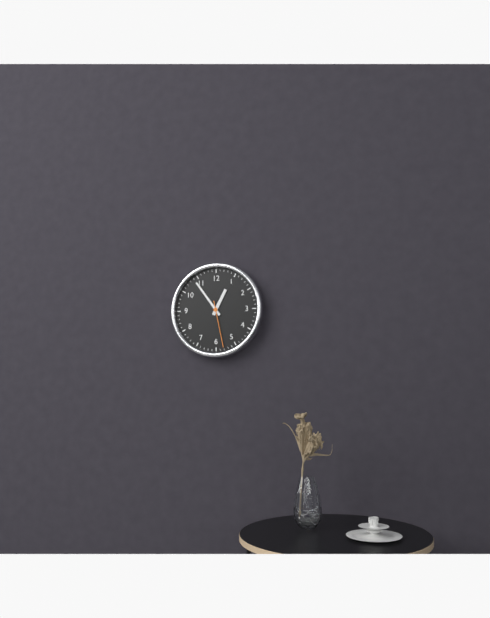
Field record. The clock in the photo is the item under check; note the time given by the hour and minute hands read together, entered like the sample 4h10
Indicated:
12h54
